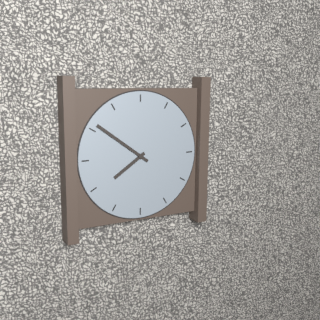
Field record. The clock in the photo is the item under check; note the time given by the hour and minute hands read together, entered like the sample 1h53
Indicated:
7h51
